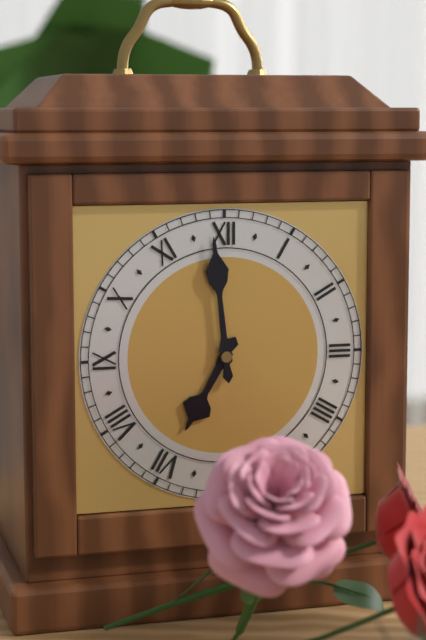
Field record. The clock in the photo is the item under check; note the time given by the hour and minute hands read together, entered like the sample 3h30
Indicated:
6h59
